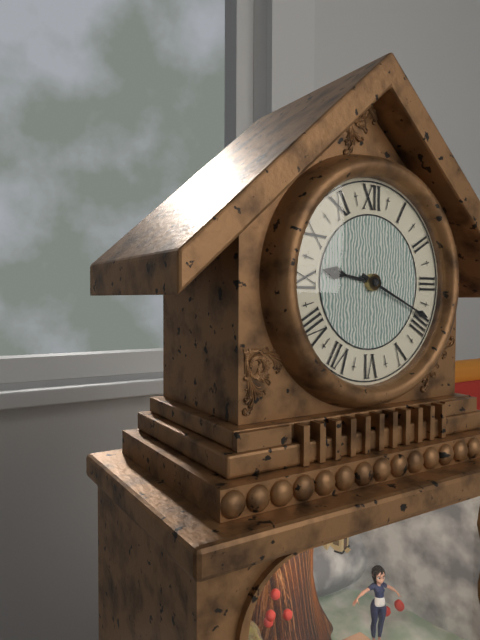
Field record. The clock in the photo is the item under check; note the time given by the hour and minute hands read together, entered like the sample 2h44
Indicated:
9h19
